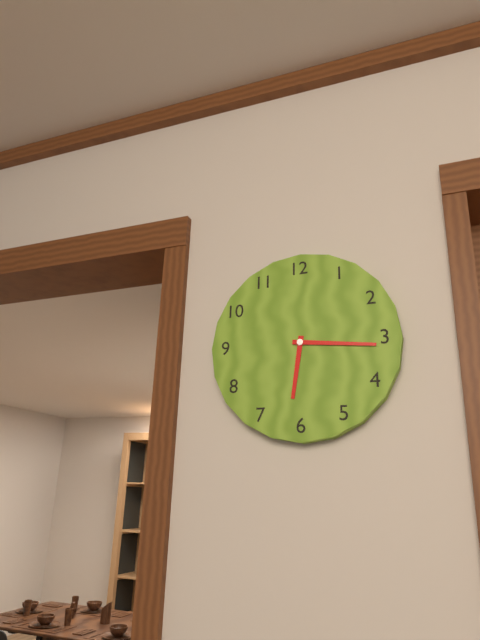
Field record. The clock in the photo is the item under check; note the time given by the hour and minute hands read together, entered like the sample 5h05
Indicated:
6h16
